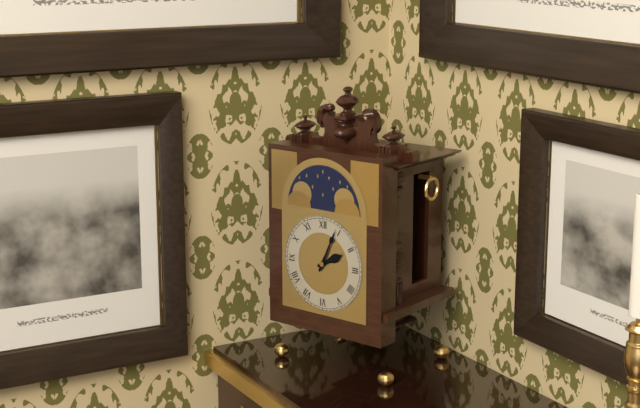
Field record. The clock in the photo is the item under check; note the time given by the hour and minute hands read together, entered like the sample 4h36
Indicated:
2h04
